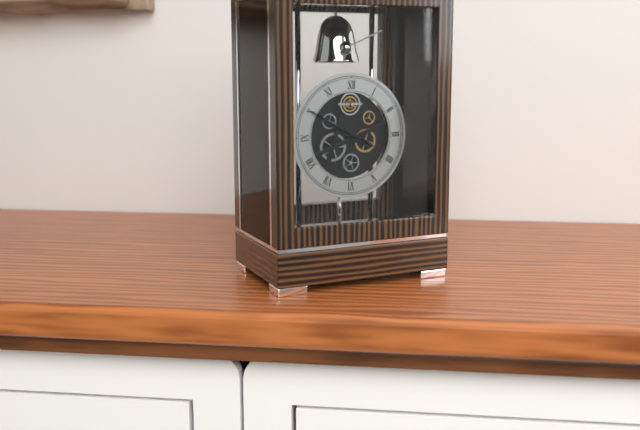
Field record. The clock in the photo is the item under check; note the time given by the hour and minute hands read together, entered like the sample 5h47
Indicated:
3h50
